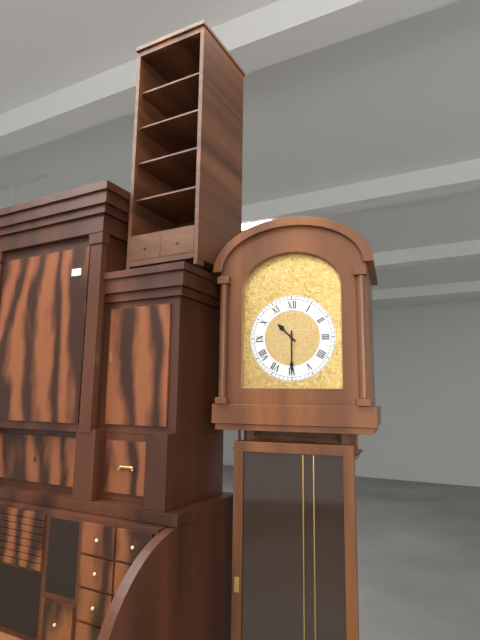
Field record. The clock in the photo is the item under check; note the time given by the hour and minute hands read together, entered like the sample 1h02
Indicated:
10h30
